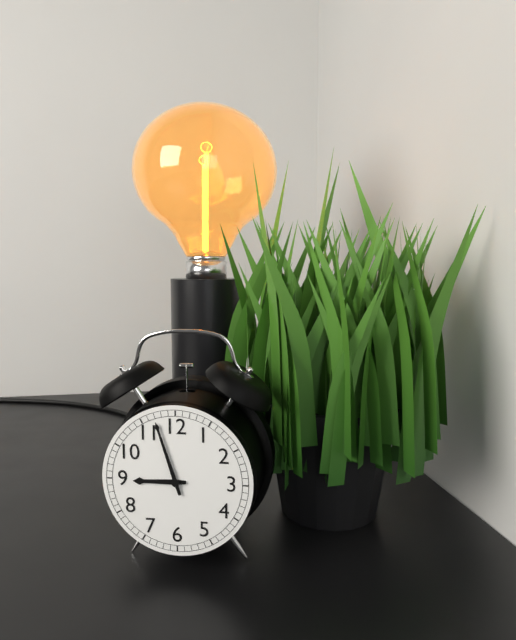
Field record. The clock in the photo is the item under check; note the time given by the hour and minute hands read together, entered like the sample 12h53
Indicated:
8h57
